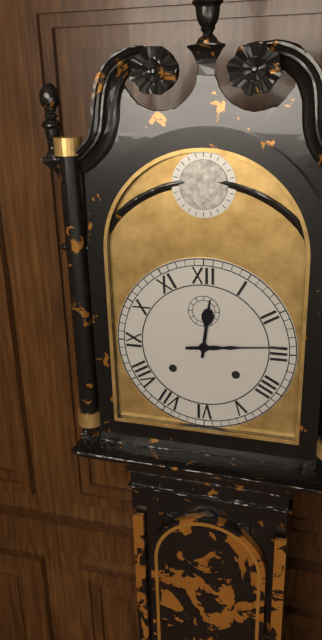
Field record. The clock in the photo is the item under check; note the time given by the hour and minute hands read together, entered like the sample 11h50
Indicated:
12h14
